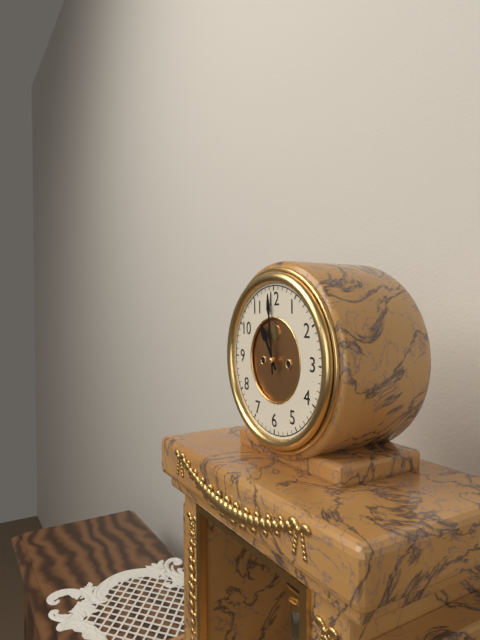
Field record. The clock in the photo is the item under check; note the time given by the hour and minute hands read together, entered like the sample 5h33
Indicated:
10h59
